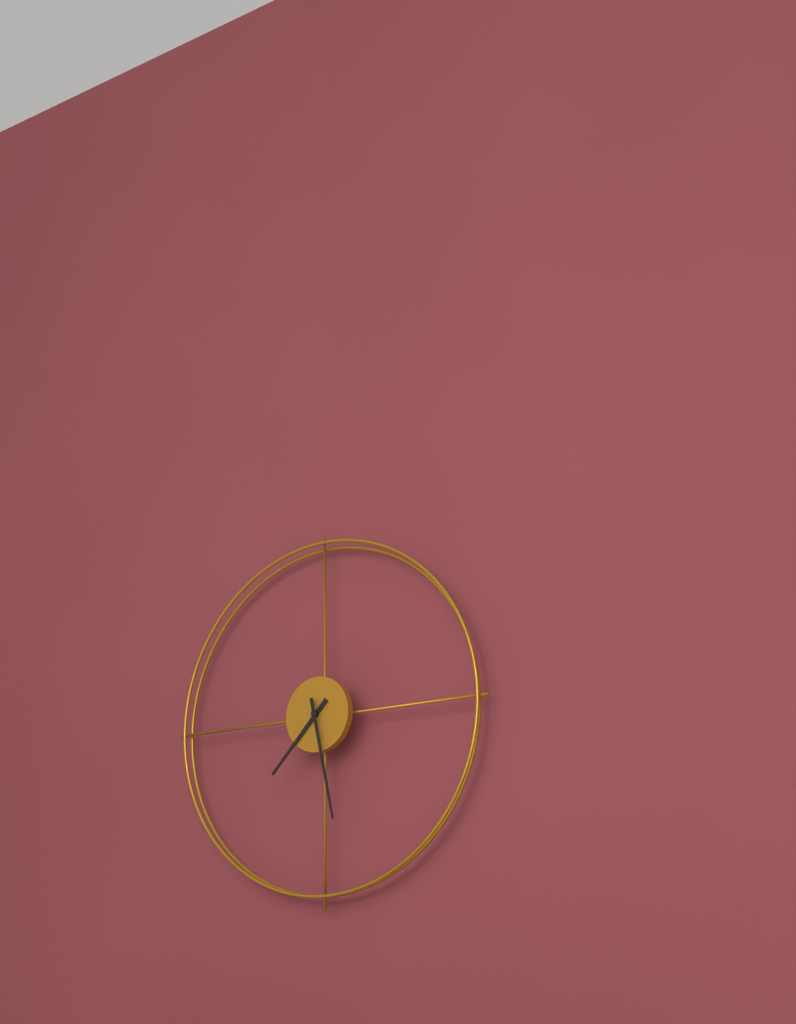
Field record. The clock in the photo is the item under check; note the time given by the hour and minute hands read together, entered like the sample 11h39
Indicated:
7h28
